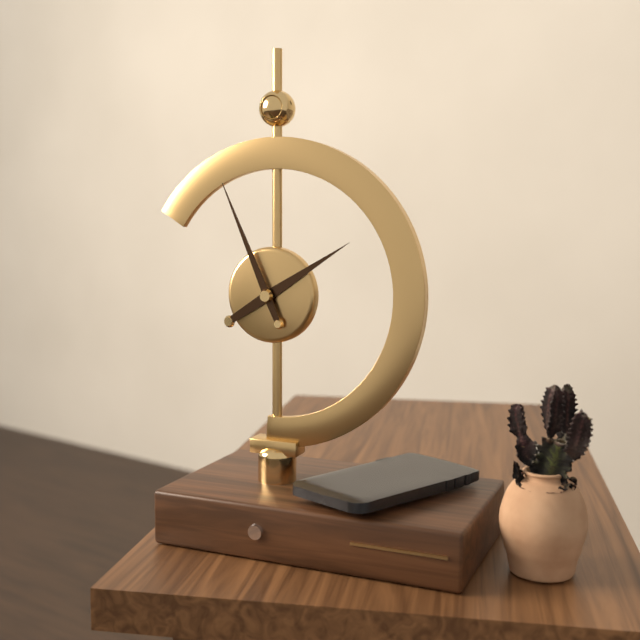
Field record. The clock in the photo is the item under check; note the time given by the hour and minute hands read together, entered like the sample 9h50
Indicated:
1h56
